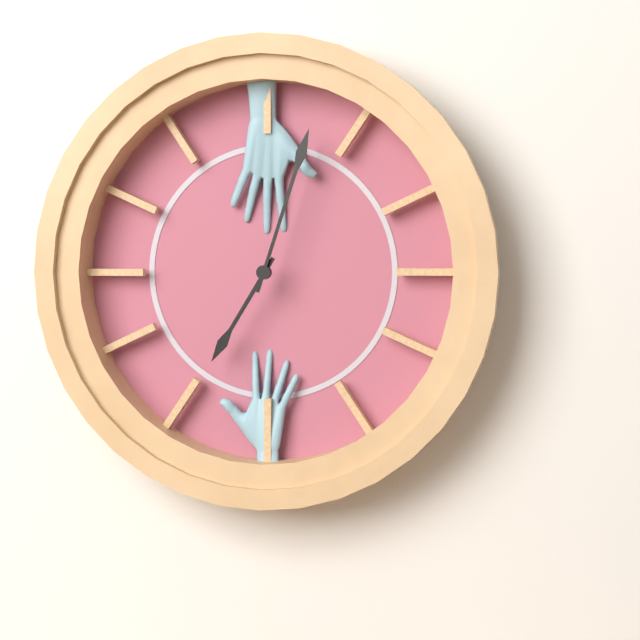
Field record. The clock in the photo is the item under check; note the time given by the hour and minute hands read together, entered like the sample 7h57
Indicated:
7h03
